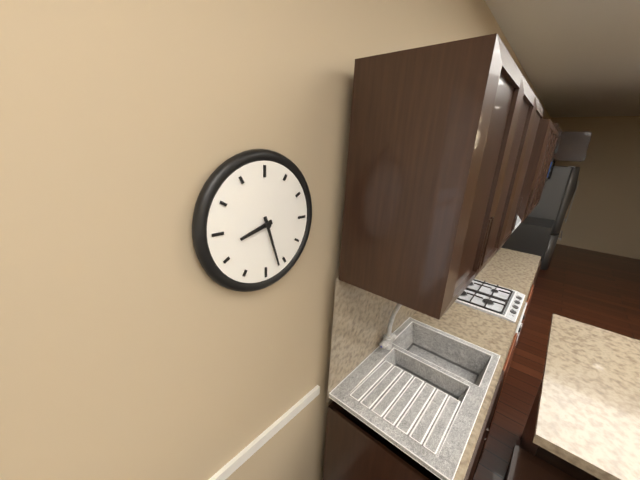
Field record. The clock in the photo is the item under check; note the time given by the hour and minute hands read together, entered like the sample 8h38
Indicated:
8h27
